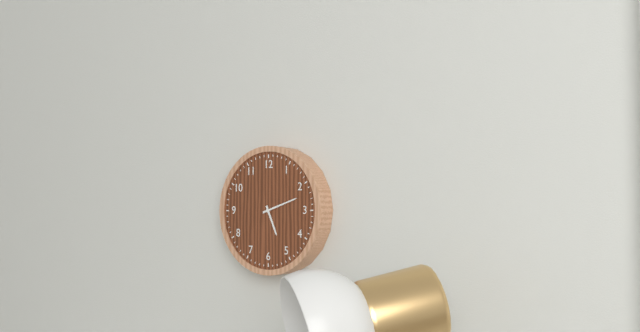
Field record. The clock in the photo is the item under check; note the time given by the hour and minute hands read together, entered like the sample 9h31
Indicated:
5h12
